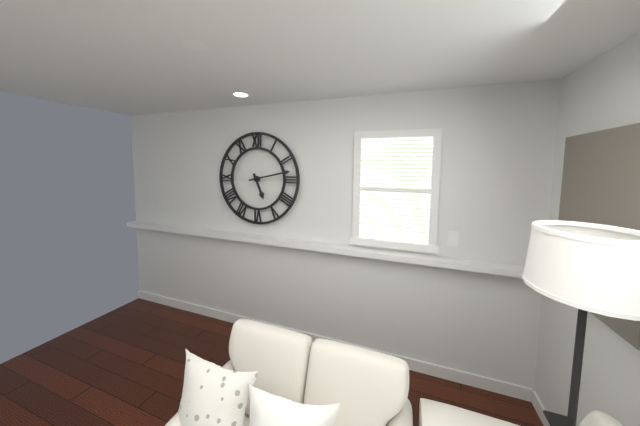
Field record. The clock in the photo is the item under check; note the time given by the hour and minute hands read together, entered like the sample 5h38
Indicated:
5h13
